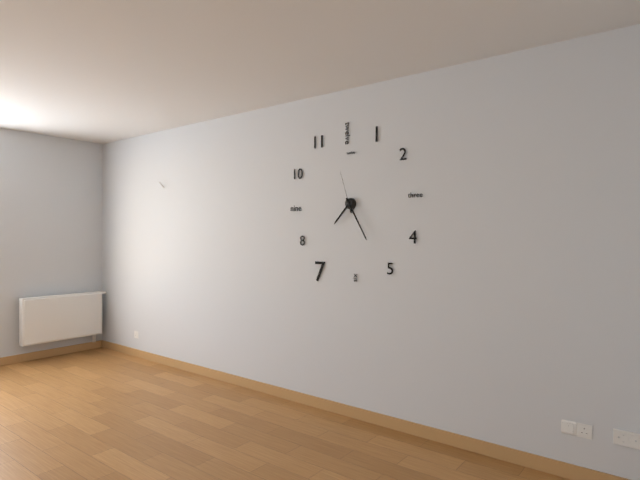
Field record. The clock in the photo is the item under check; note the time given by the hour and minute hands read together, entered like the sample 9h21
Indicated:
7h25
